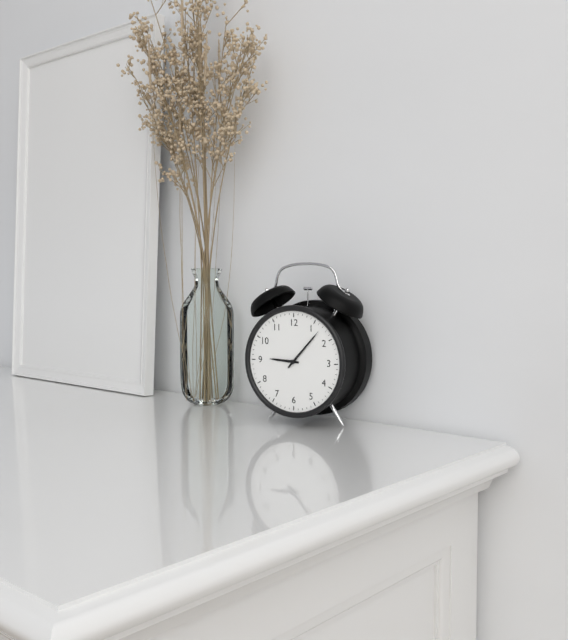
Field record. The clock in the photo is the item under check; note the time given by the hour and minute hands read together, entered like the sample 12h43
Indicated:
9h07
